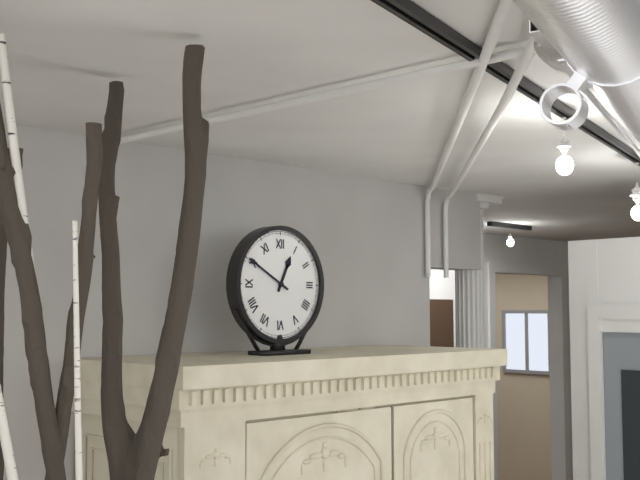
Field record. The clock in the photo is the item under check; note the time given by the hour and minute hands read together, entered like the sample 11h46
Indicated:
12h50
